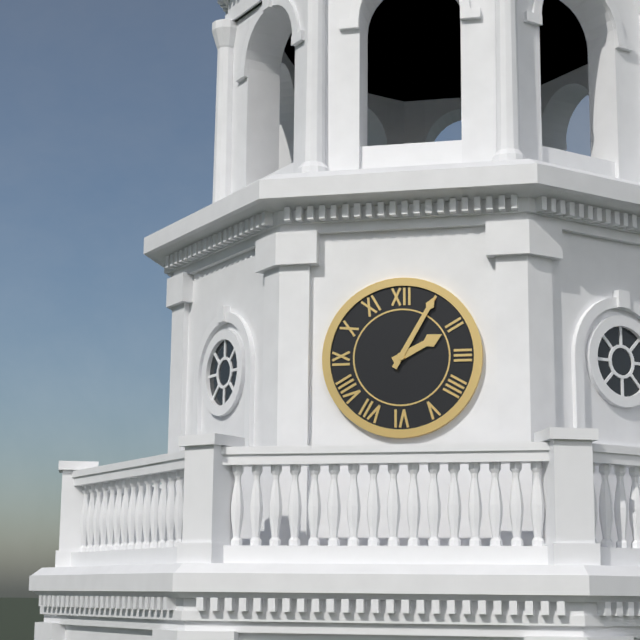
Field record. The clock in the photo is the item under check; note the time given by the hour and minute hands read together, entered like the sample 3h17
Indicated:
2h05
